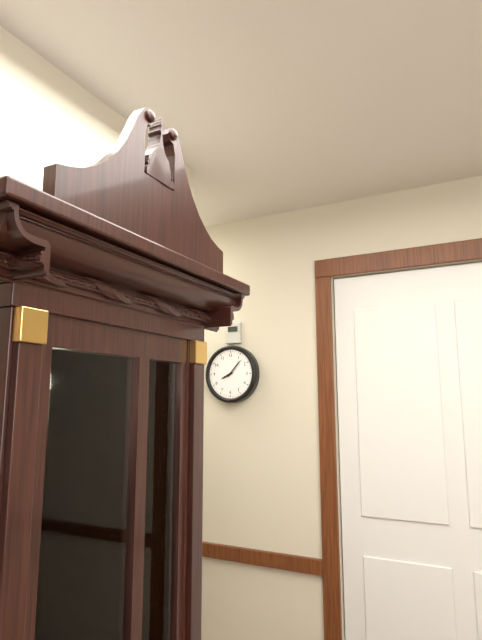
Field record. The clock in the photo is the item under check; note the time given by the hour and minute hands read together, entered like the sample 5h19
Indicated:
8h07
